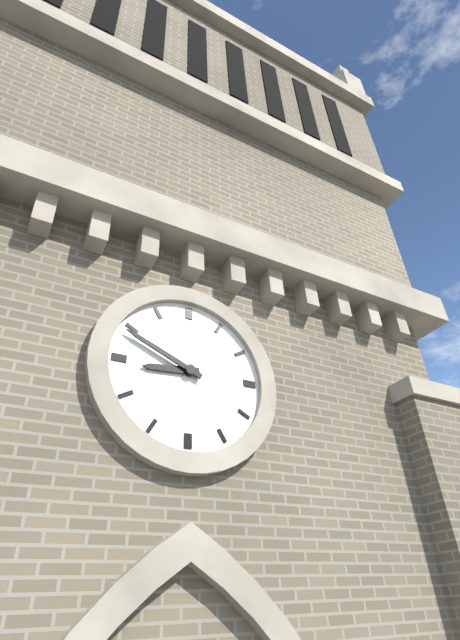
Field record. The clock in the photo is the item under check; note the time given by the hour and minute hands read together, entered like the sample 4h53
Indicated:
8h49
